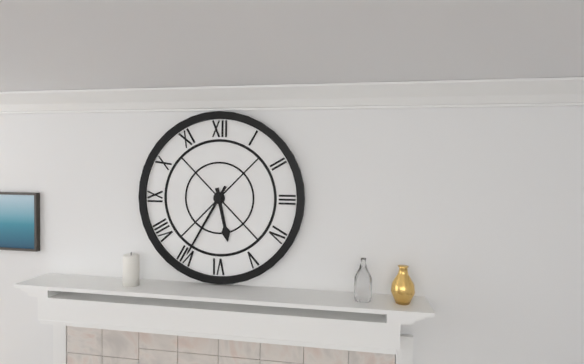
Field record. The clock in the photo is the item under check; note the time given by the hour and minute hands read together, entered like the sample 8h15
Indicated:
5h35
